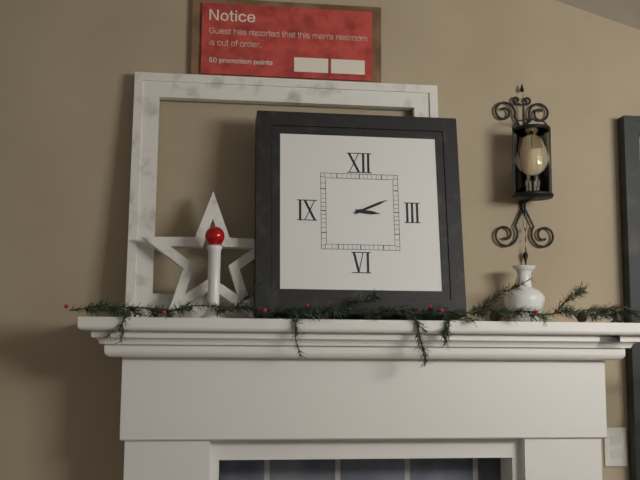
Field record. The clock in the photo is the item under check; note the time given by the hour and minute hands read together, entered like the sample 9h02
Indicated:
3h11
